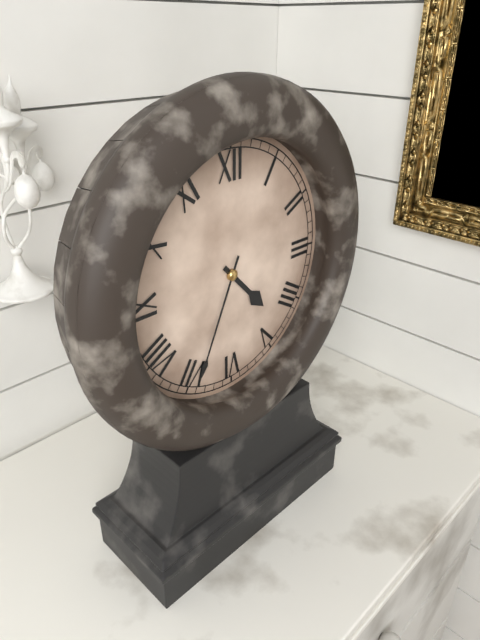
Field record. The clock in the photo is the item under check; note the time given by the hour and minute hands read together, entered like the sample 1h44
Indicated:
4h34
